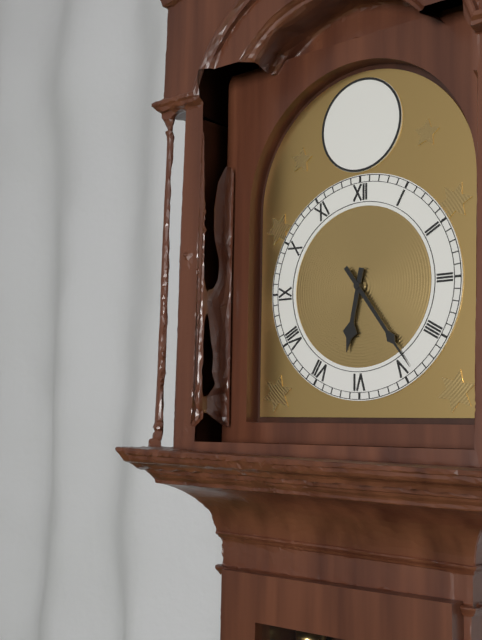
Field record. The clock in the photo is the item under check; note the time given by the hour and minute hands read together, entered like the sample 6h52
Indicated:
6h24
